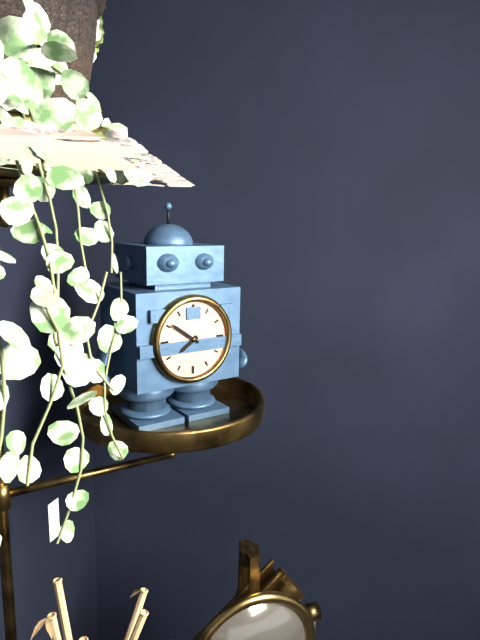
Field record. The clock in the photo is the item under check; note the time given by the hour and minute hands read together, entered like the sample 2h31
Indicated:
7h51
